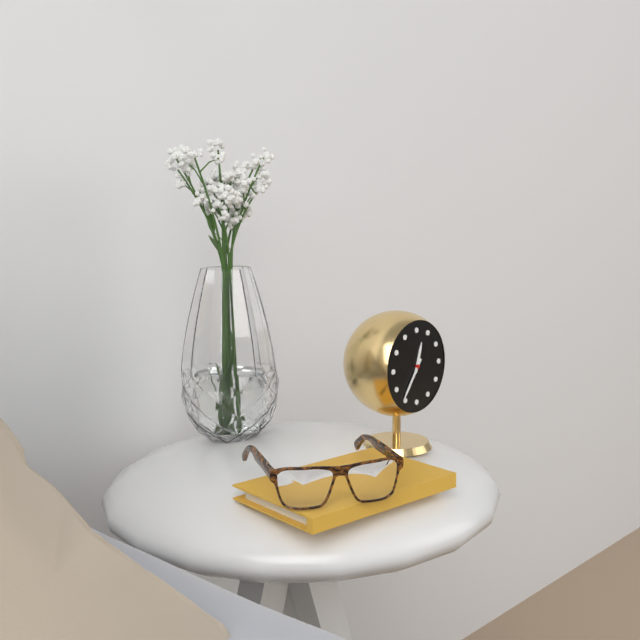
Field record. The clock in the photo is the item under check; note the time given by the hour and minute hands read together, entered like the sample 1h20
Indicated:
12h36
